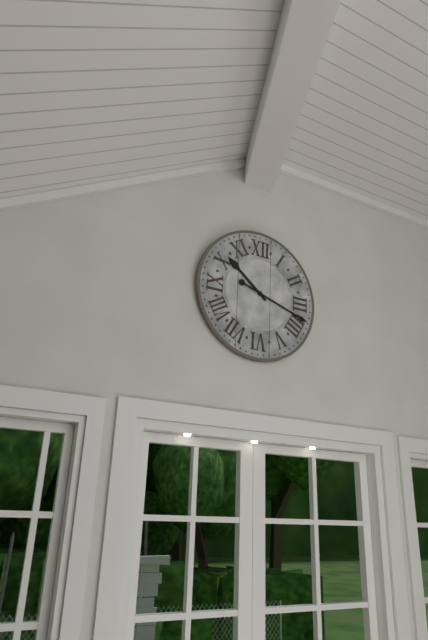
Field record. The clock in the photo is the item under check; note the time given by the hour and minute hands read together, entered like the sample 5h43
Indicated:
10h18
